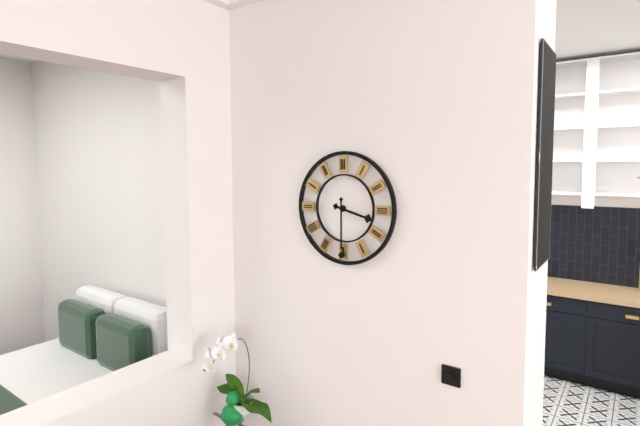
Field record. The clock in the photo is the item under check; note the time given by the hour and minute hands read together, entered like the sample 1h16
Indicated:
3h30
